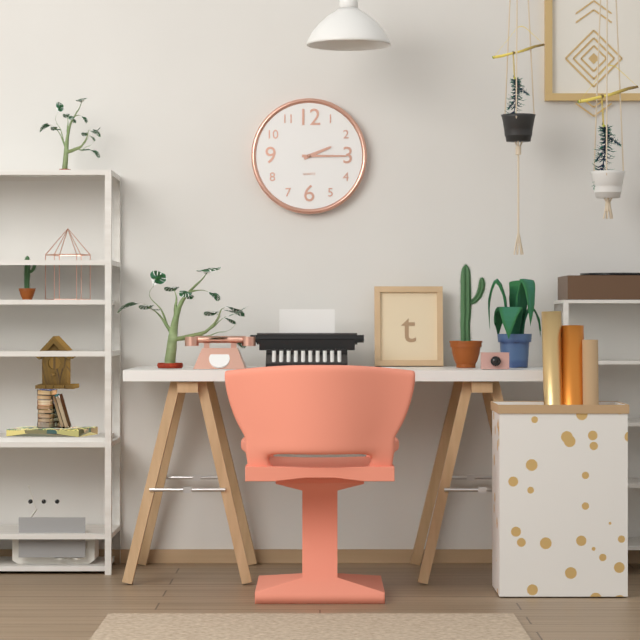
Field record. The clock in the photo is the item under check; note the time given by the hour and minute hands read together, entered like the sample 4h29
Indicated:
2h15
